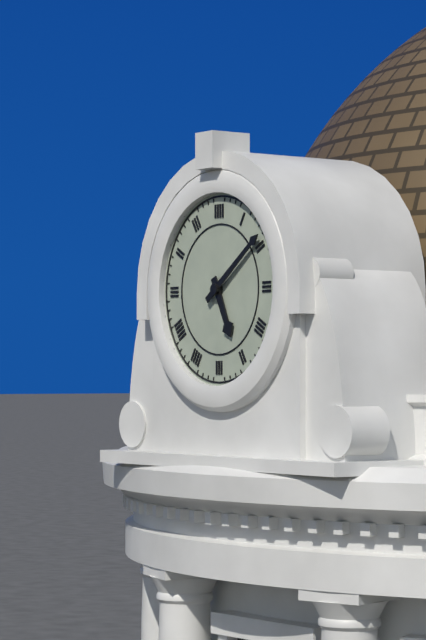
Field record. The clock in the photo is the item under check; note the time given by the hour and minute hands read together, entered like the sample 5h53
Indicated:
5h09
